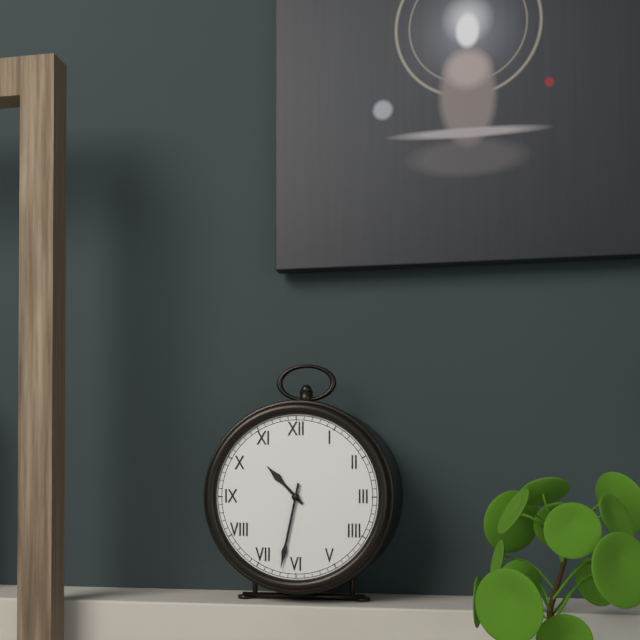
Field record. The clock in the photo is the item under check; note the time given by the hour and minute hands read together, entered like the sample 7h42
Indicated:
10h32
